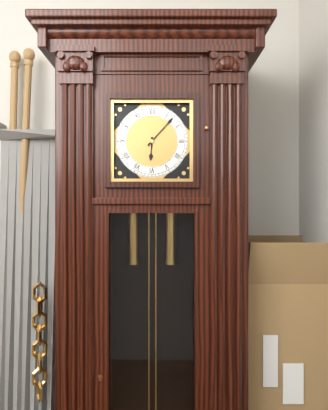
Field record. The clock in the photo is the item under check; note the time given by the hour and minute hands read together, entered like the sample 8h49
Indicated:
6h07
